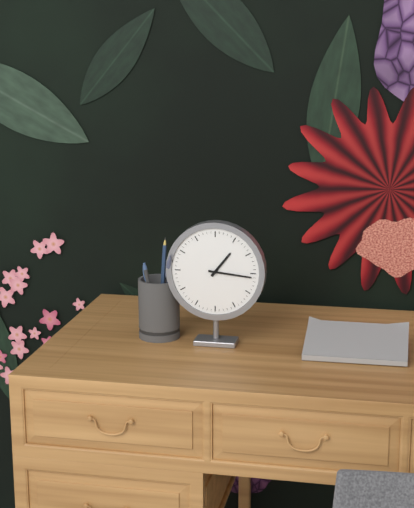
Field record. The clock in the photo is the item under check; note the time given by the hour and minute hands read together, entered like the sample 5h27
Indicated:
1h16
